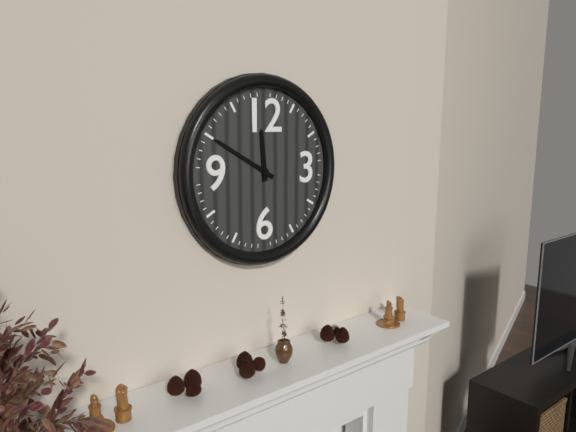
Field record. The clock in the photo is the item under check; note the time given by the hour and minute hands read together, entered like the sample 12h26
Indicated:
11h50
